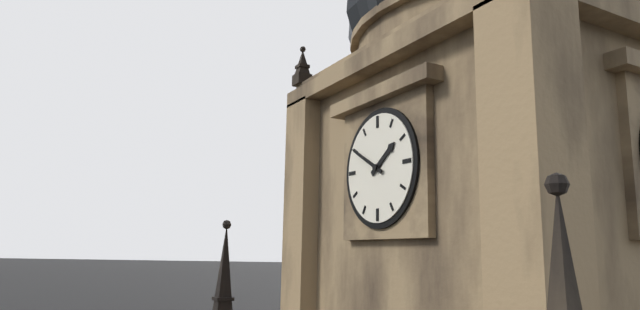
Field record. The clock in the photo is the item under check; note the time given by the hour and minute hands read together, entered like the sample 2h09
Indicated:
1h50
